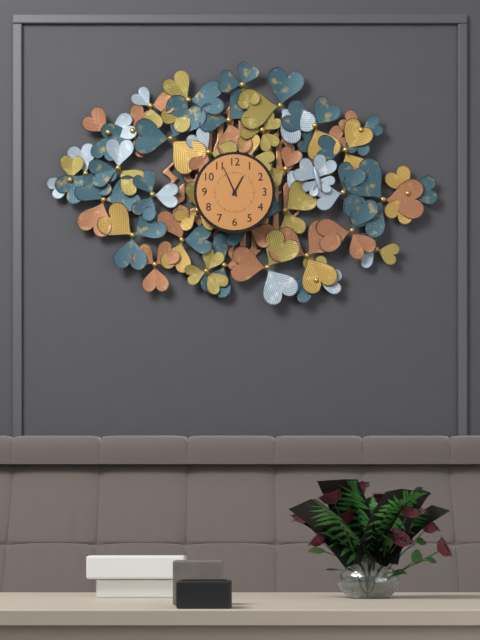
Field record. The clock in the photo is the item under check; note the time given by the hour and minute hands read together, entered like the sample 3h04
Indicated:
12h56
